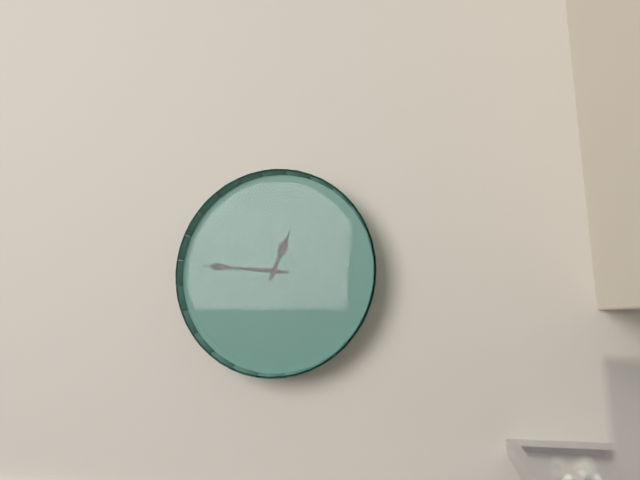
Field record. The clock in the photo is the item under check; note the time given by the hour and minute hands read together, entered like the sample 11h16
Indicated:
12h46
